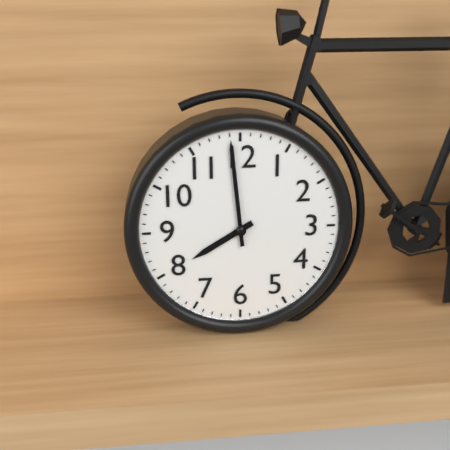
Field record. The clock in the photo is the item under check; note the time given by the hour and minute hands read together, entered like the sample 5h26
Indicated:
7h59
